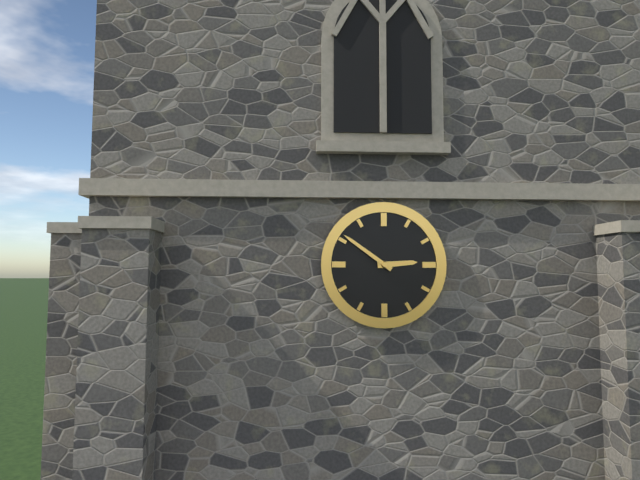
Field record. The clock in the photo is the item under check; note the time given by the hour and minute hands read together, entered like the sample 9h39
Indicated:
2h51
